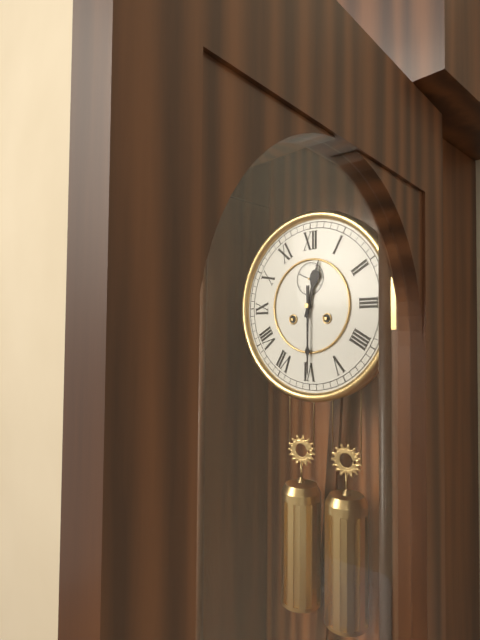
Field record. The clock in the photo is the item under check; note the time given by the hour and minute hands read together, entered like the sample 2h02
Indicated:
12h30
